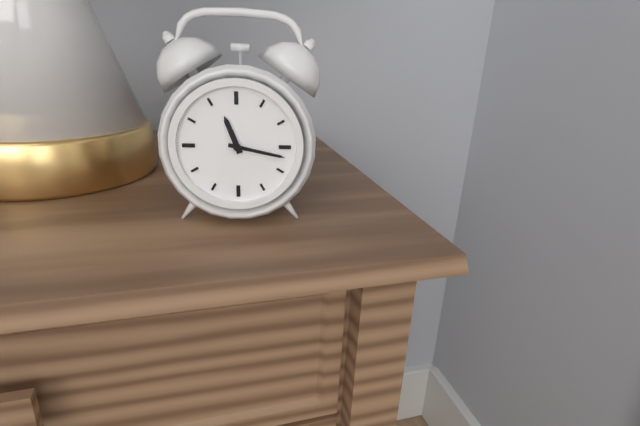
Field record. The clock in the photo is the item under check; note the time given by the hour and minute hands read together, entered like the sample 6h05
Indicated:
11h17
